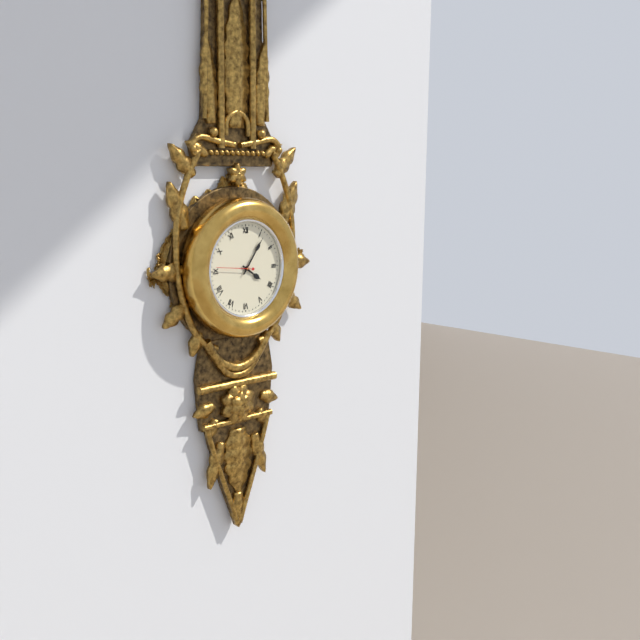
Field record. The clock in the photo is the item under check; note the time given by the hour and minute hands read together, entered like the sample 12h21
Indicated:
4h06
